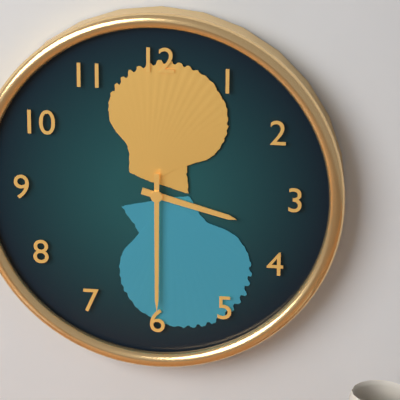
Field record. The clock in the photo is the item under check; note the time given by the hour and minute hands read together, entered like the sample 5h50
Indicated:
3h30
